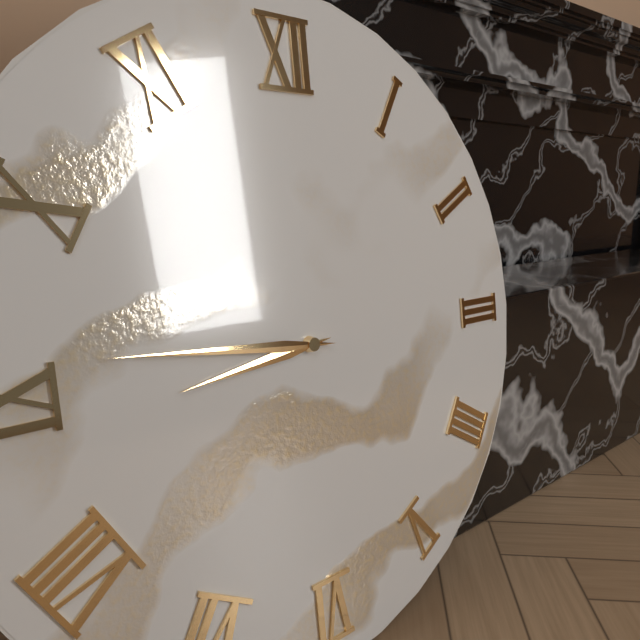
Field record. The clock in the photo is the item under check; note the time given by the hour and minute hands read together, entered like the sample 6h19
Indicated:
8h46
